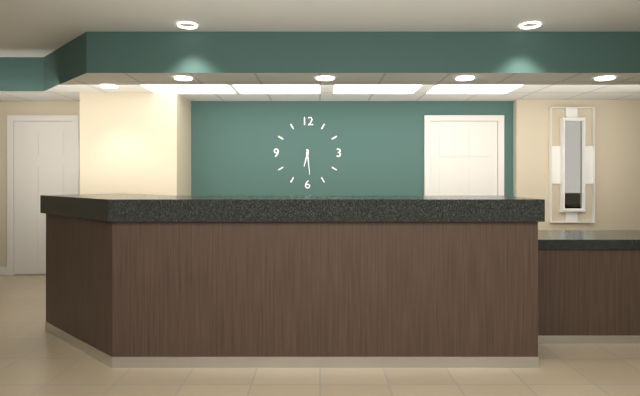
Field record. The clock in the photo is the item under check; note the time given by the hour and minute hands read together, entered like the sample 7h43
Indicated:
6h29
